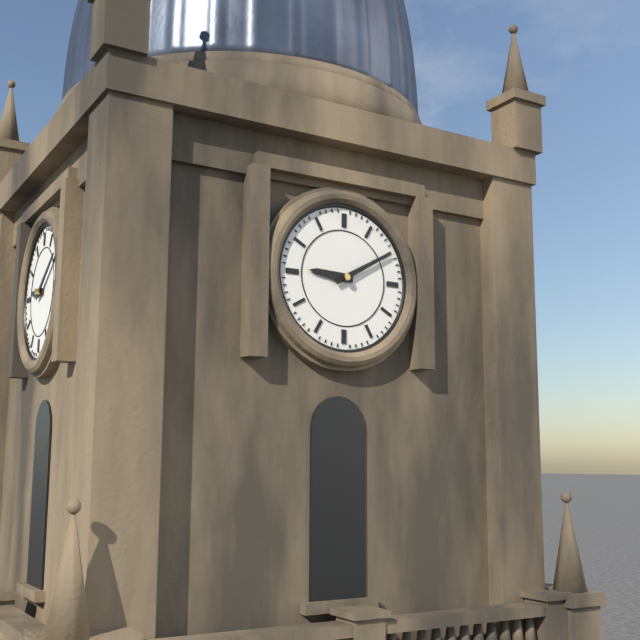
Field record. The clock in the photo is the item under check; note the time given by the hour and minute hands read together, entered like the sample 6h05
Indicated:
9h10
